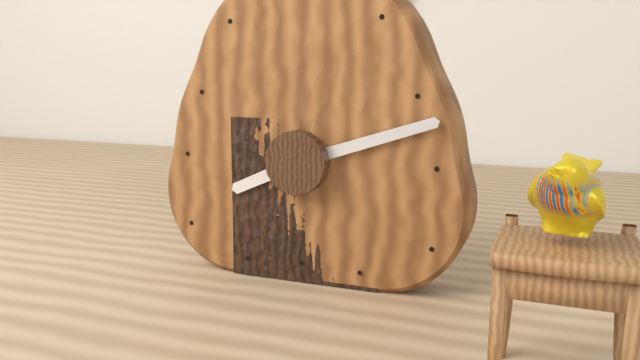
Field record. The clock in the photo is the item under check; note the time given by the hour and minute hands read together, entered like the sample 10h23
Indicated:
8h12
